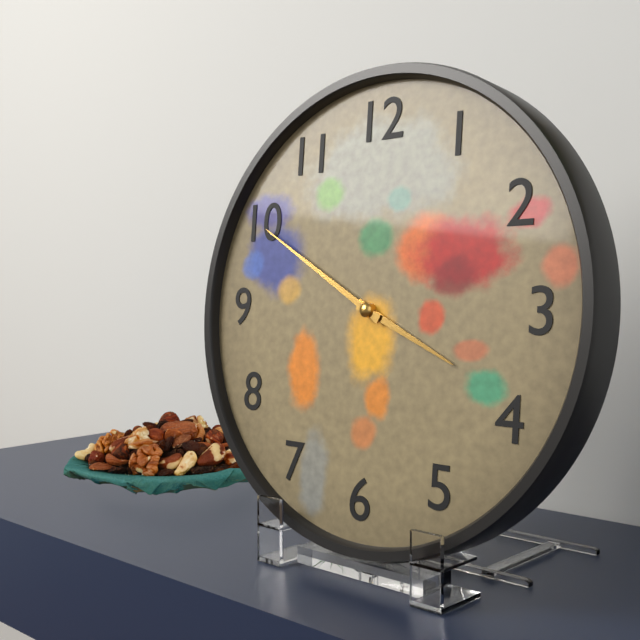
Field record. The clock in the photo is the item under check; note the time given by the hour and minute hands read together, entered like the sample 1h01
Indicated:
3h50
